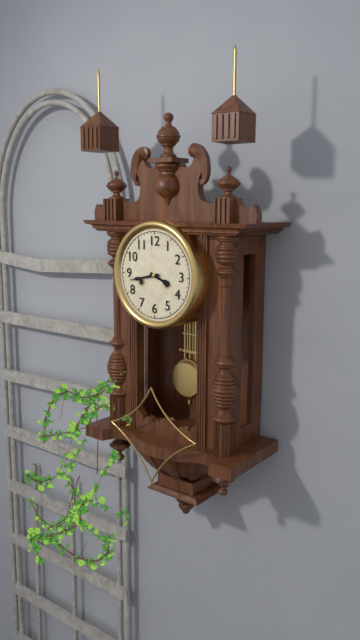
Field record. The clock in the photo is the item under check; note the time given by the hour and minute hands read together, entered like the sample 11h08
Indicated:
3h43
